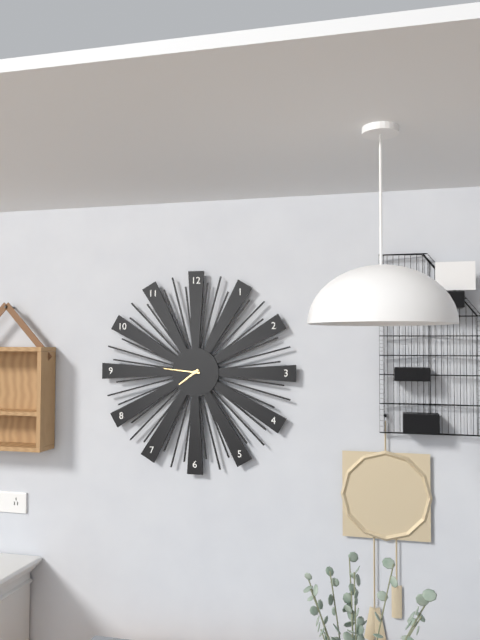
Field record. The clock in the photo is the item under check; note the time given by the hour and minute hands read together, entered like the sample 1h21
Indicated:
7h46
